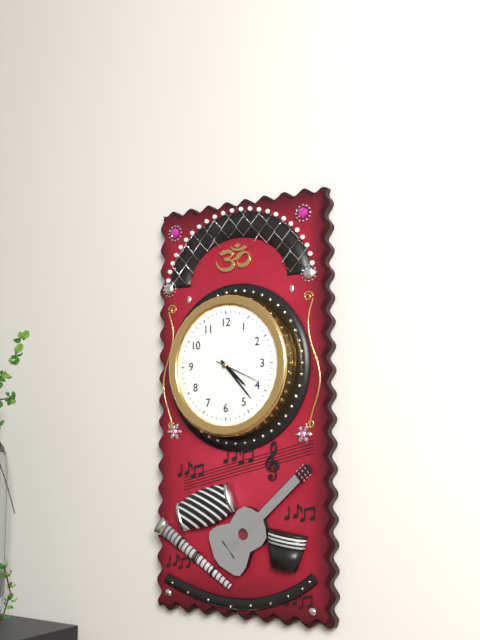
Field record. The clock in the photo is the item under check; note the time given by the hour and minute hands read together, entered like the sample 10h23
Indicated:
4h23
